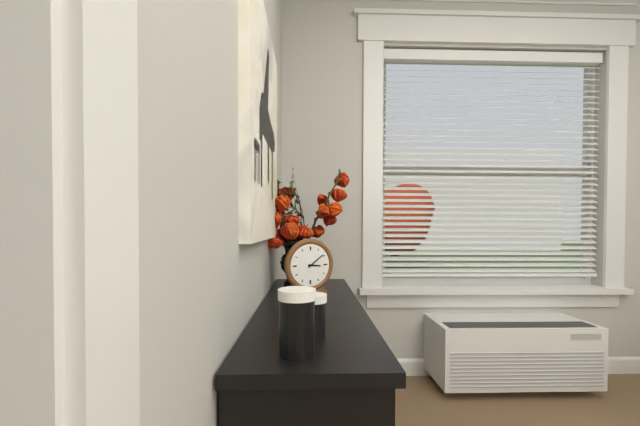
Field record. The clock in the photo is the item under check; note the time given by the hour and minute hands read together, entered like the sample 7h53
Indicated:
3h09
